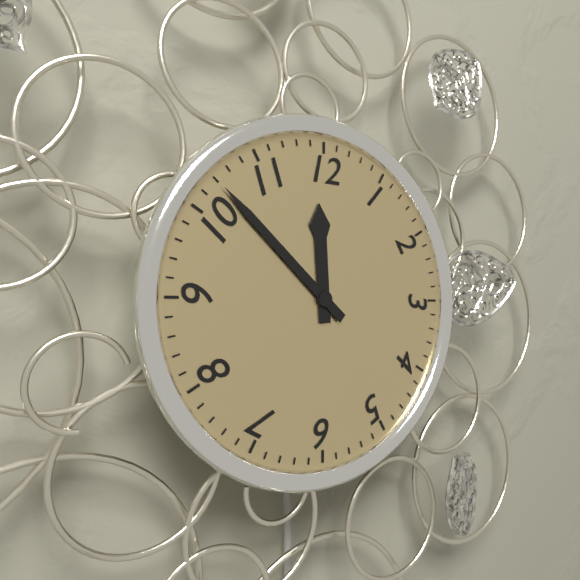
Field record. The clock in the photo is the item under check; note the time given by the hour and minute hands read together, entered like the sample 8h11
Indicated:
11h52
